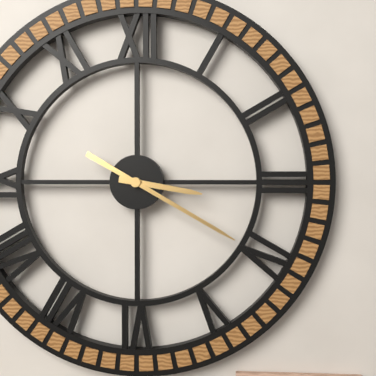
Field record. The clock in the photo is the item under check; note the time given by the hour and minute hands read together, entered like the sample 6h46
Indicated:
3h20
